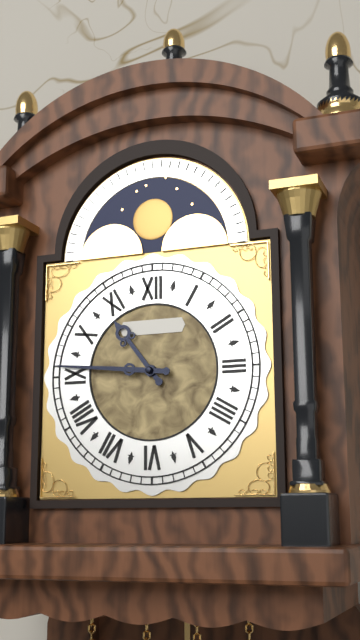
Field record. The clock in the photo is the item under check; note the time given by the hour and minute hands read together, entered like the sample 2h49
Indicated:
10h46
